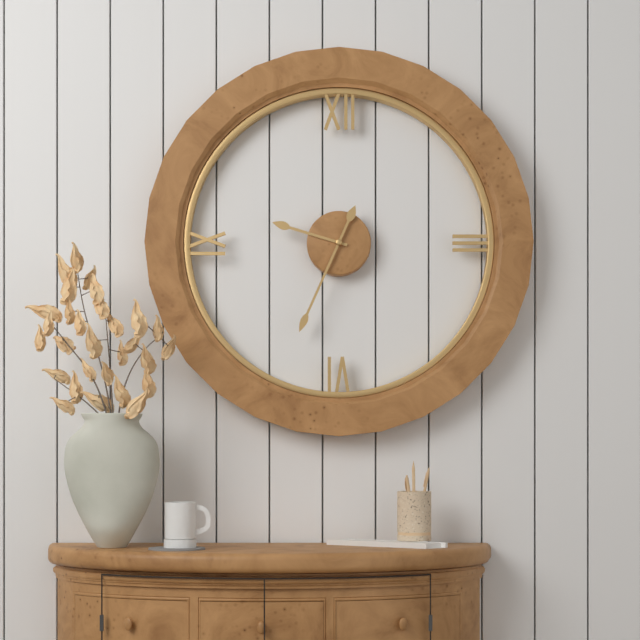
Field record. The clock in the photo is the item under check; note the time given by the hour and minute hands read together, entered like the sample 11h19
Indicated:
9h34
